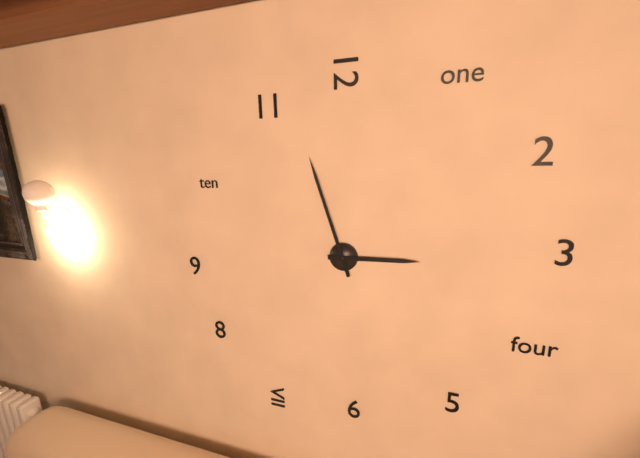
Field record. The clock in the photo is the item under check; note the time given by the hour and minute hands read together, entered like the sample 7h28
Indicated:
2h57
